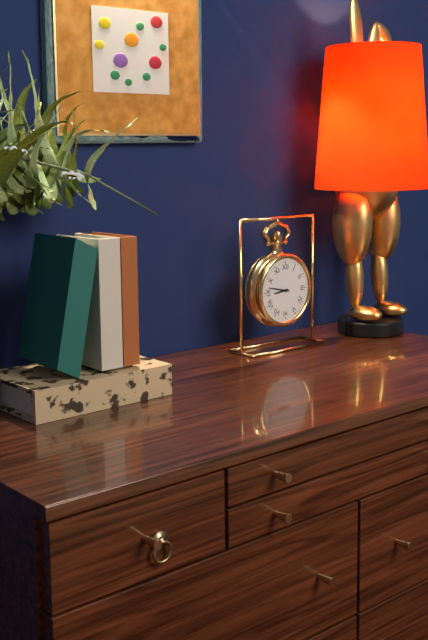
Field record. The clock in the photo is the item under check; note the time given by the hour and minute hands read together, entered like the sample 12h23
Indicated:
8h47
